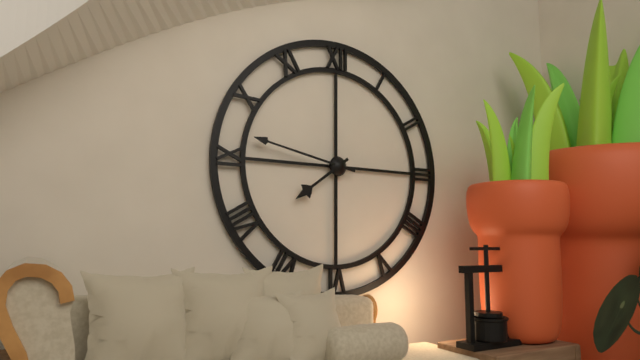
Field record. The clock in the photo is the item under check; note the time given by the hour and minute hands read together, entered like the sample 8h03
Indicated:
7h47
